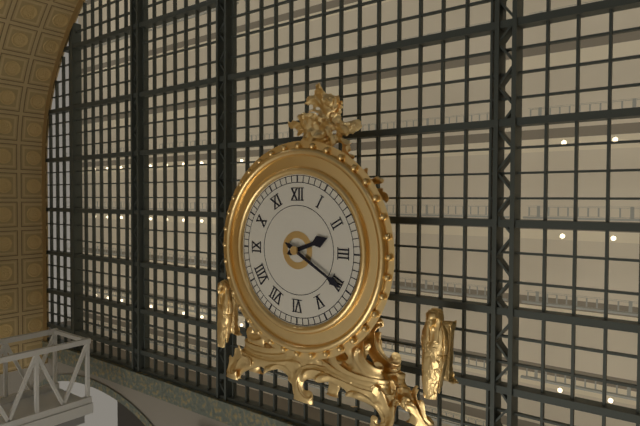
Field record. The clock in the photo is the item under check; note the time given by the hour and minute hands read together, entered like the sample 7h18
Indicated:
2h20
